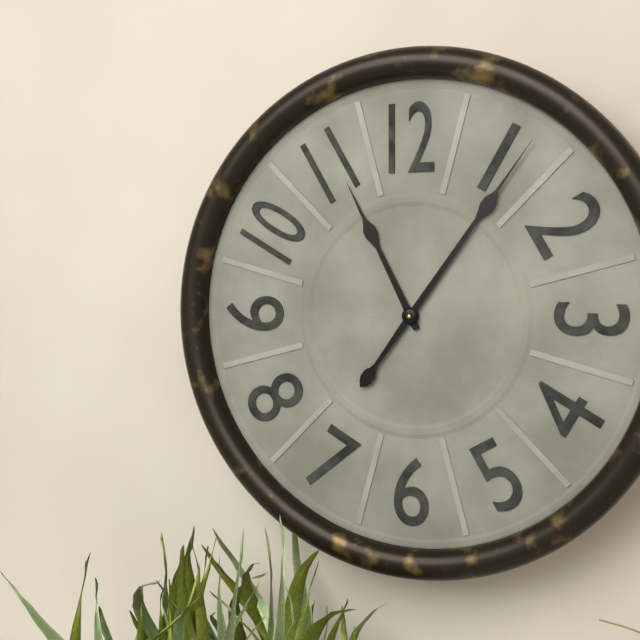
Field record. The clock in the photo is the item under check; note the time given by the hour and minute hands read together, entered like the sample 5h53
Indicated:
11h06
